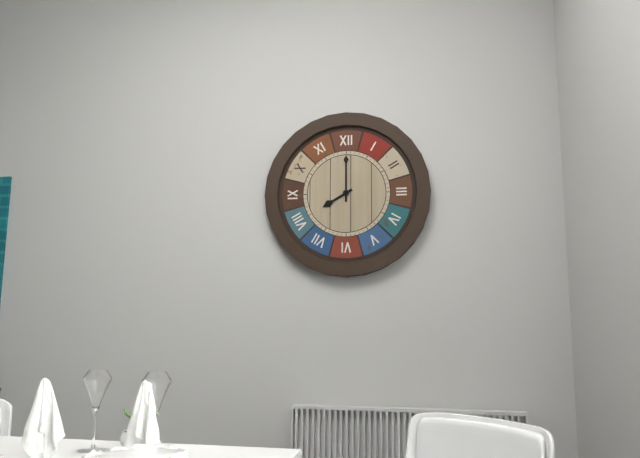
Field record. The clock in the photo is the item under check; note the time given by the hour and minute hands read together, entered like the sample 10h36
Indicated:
8h00
